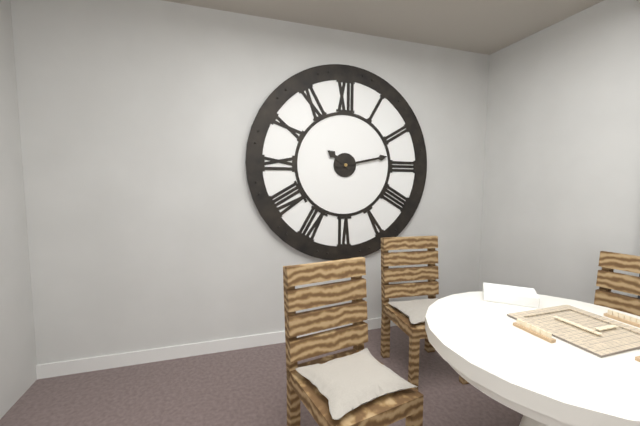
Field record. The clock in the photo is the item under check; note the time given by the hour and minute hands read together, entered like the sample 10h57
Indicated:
10h13
